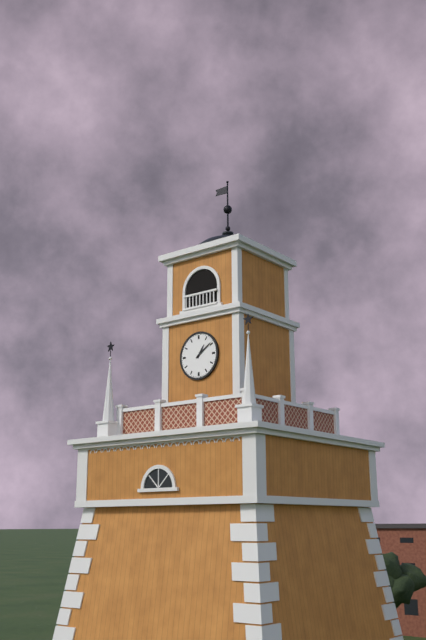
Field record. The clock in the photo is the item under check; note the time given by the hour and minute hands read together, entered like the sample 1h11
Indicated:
1h09
